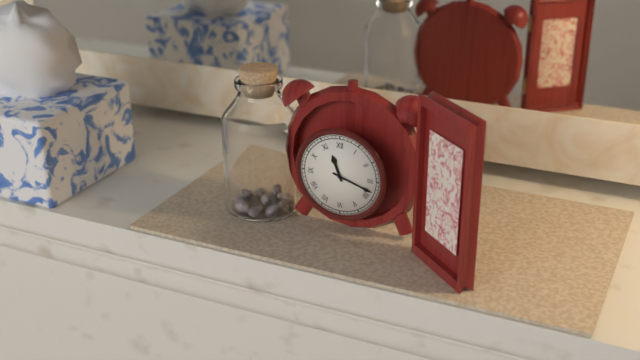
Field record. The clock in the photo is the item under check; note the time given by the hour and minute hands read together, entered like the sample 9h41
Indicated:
11h18
